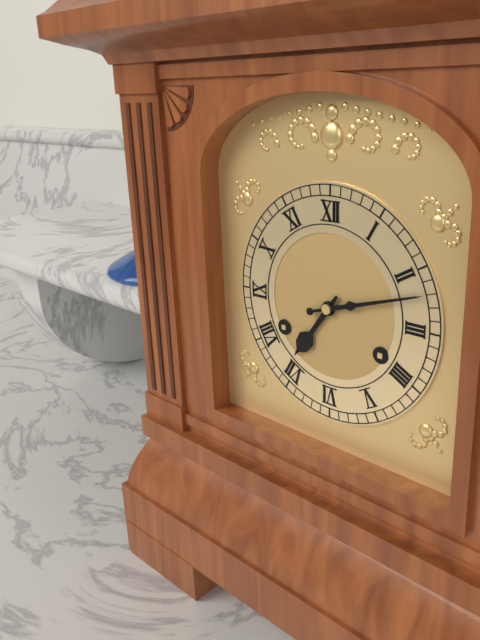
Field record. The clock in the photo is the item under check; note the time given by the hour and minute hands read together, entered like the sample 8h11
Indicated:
7h12
